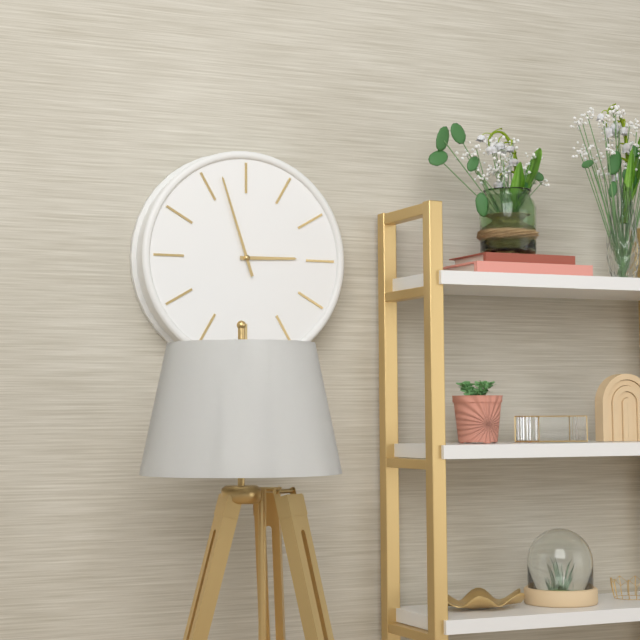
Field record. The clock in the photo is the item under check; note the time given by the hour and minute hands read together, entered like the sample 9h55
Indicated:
2h57
